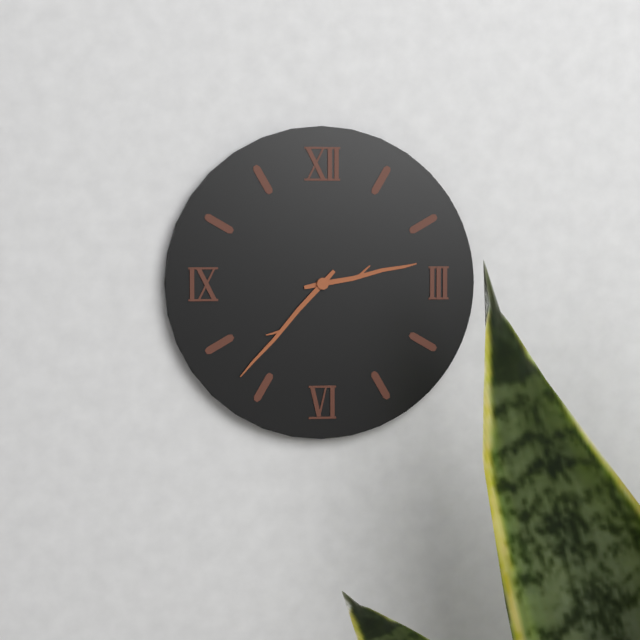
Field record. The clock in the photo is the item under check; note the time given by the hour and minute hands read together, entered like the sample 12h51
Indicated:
2h37
